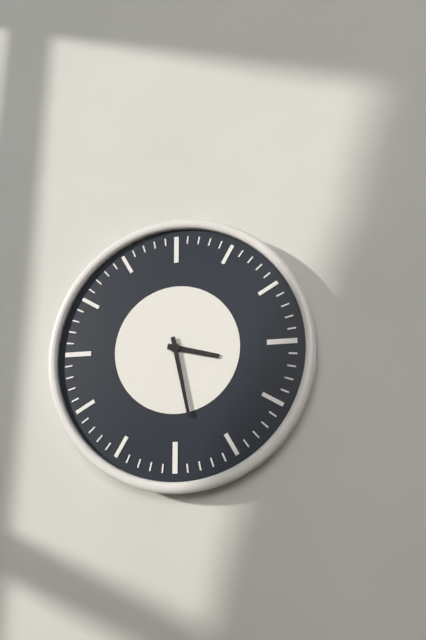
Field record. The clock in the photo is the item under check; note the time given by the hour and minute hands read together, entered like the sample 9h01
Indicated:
3h28
